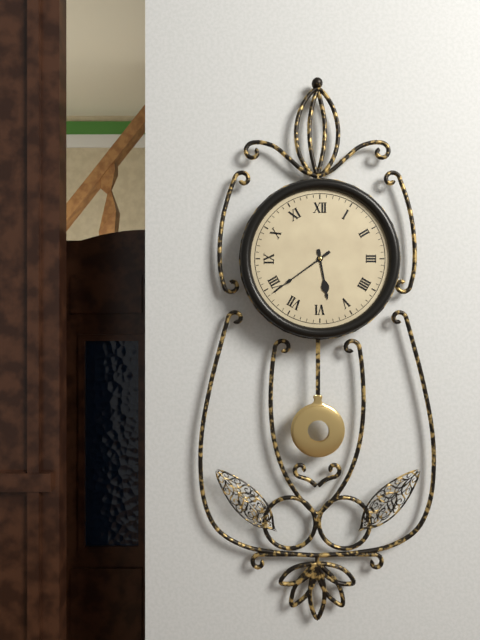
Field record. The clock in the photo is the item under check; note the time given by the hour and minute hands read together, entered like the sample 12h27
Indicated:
5h39
